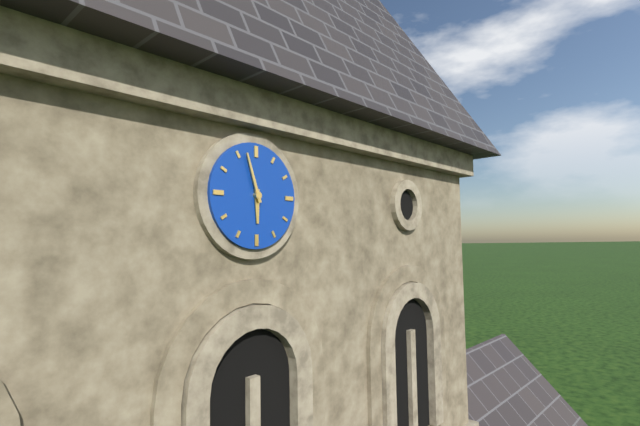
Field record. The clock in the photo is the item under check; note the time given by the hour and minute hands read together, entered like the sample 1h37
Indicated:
5h57
